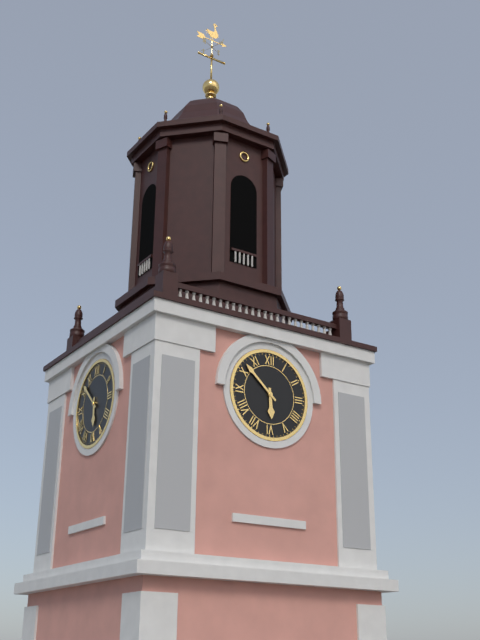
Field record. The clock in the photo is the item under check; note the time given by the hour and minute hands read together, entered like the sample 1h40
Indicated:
5h52
